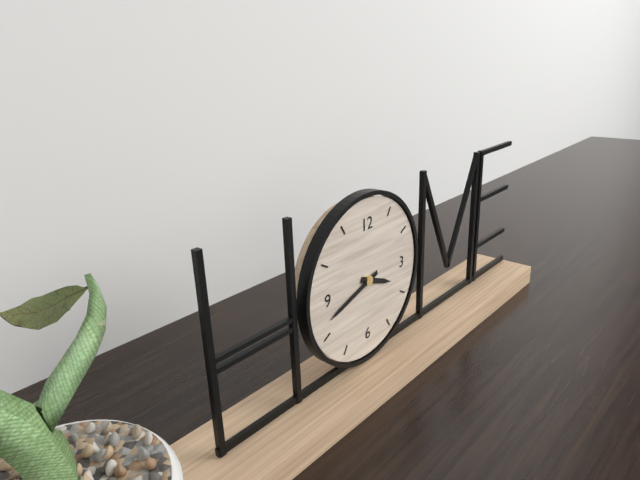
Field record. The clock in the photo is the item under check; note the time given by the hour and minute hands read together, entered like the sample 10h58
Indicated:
3h42
